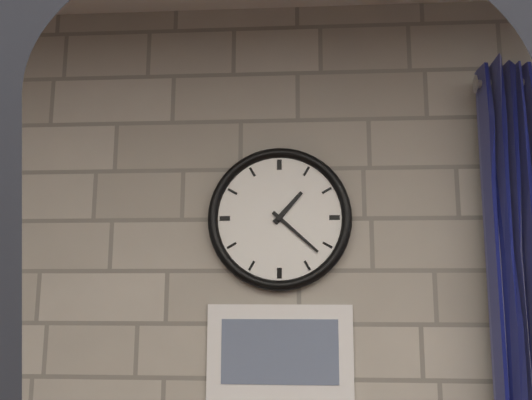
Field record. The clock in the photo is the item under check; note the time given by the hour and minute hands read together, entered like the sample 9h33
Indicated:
1h22
